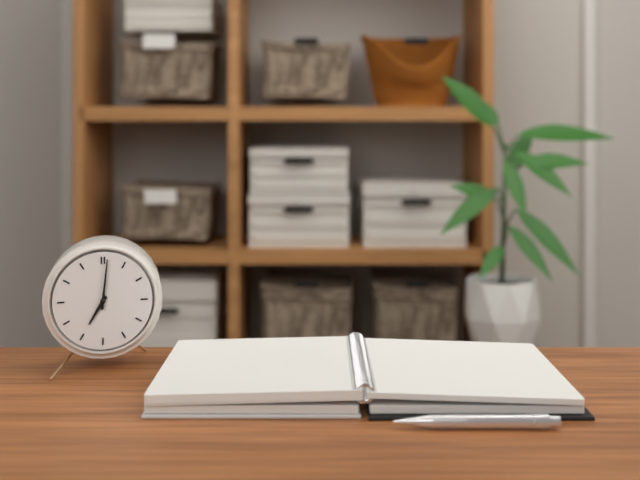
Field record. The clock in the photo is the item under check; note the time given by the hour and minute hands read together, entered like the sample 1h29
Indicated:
7h01
